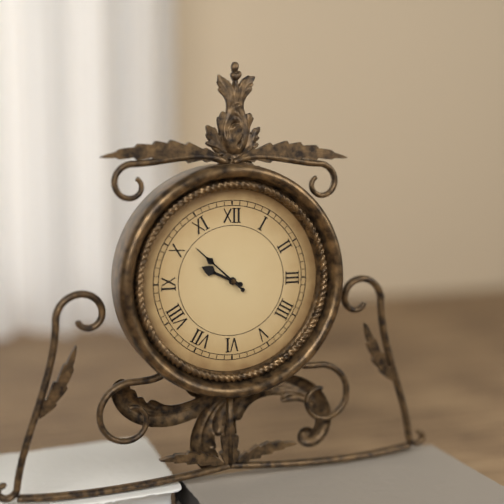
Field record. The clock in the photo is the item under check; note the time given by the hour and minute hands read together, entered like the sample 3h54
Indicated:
9h52
